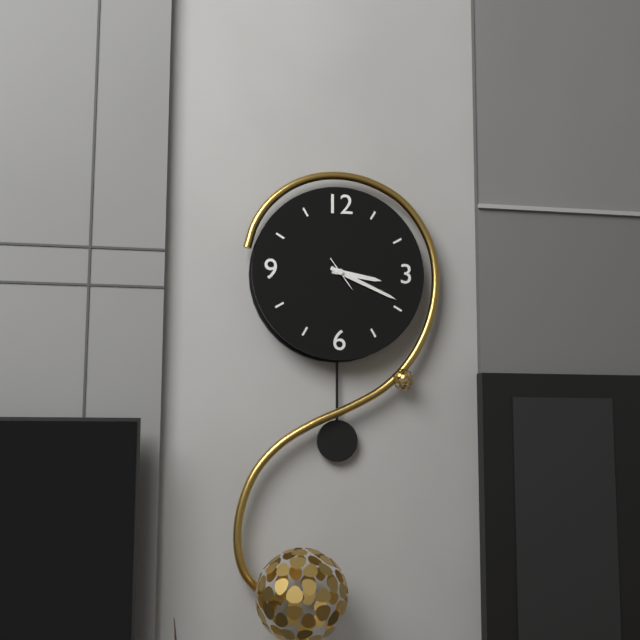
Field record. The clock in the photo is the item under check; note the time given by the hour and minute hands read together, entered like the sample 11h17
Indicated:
3h19
